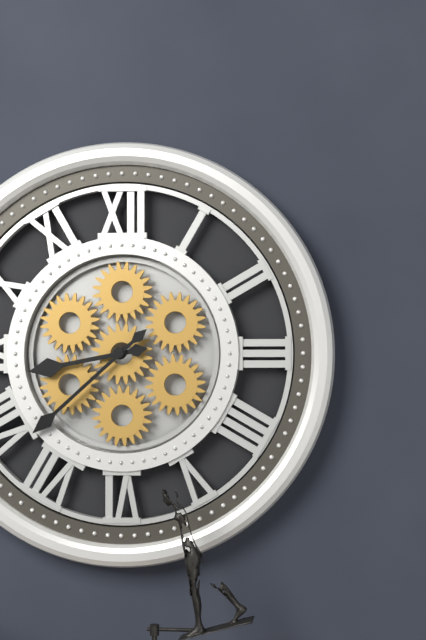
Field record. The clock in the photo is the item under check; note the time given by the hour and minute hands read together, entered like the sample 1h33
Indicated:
8h38
